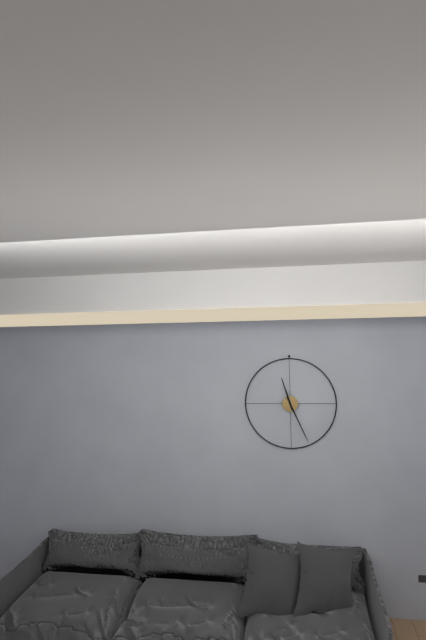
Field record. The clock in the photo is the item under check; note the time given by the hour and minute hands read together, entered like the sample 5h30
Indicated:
11h26
